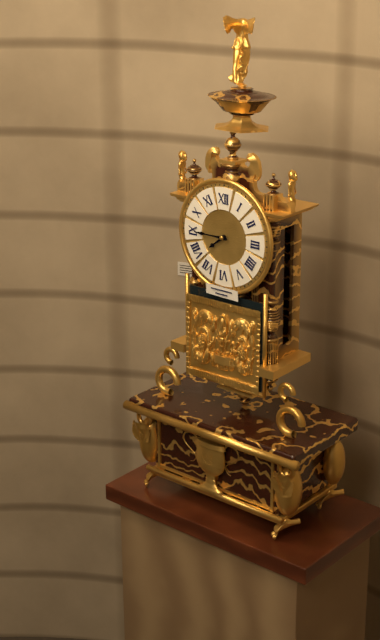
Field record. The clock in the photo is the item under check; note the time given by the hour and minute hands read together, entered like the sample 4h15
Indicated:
7h45
